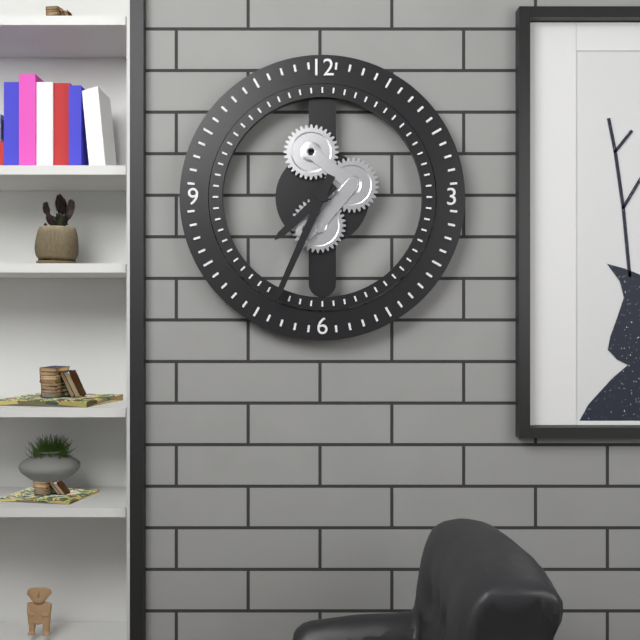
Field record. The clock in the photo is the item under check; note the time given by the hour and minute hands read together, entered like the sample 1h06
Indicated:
7h34
